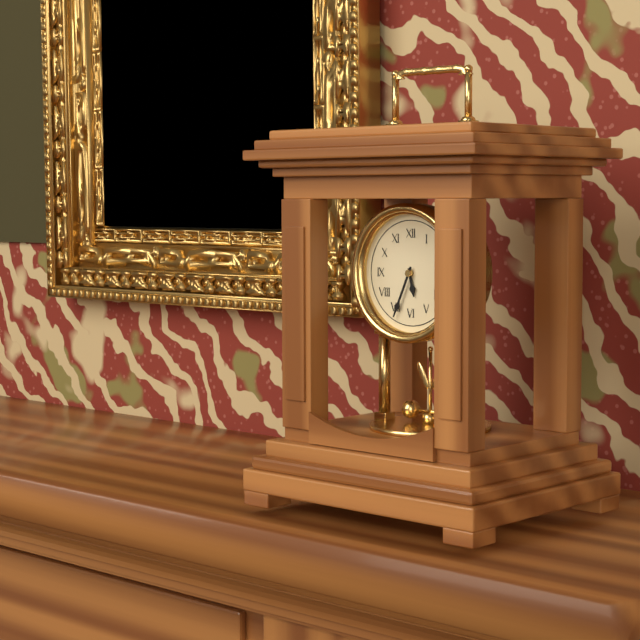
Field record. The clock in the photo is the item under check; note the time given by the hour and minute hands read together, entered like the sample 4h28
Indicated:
5h34
